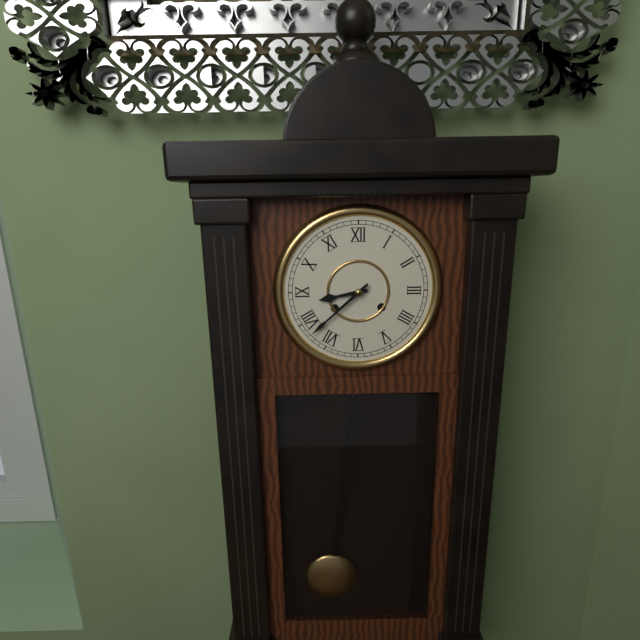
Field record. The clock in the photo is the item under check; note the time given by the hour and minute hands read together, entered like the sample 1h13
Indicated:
8h38
